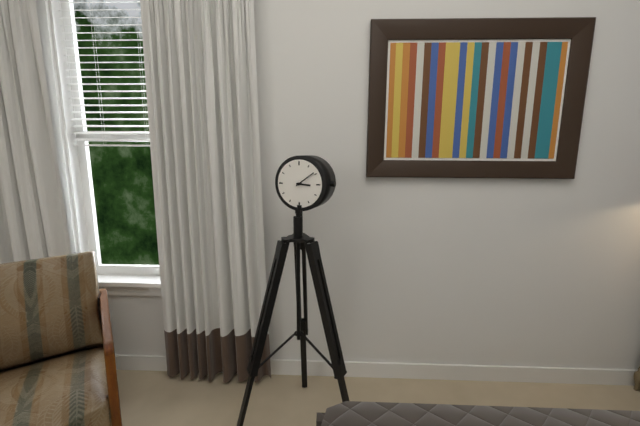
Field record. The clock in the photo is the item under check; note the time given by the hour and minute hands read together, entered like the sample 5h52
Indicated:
3h09
